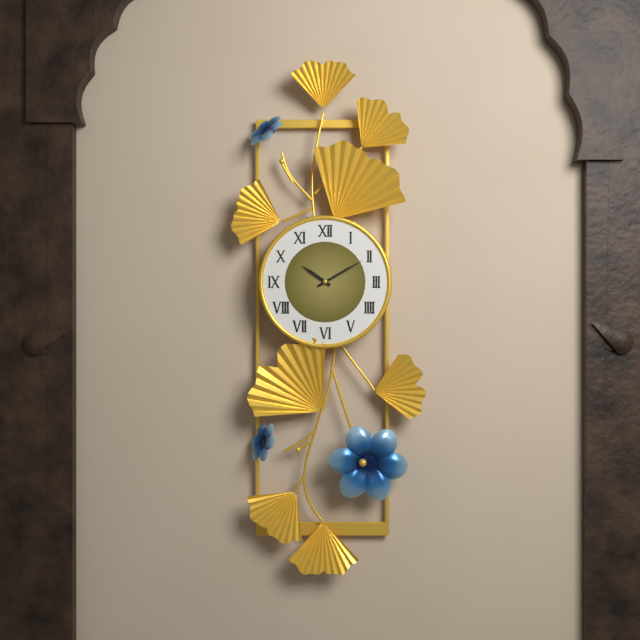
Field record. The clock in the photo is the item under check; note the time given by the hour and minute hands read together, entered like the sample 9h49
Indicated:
10h10
